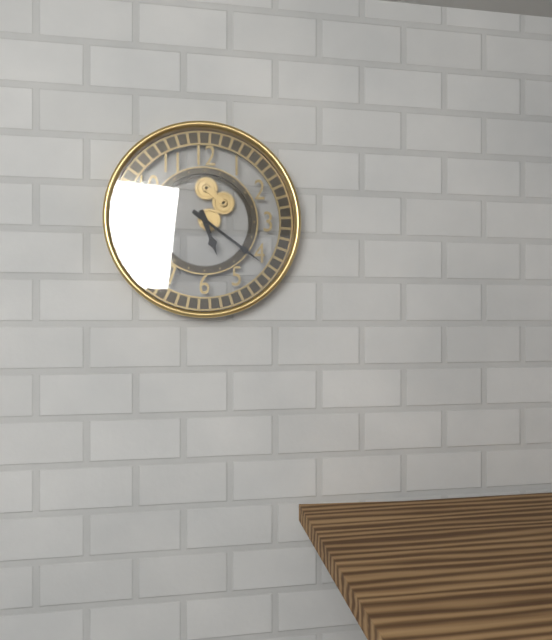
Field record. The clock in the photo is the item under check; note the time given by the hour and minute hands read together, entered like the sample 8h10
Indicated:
5h21
